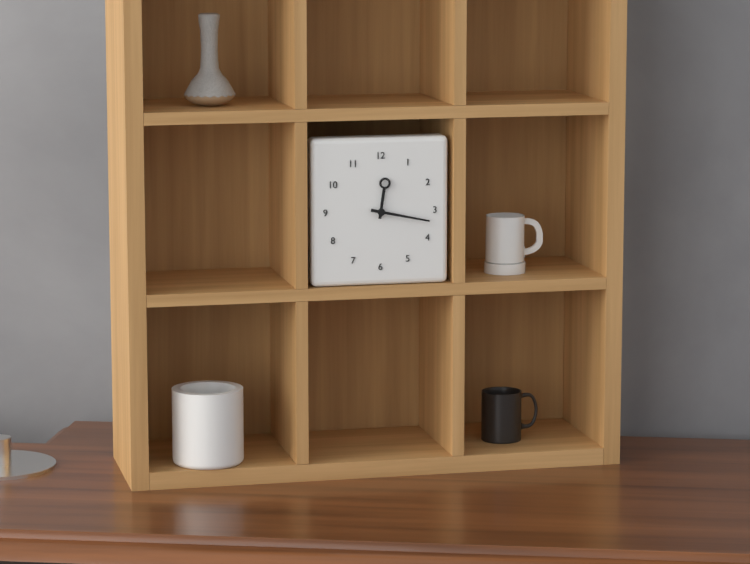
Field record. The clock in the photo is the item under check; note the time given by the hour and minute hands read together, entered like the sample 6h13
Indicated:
12h17
